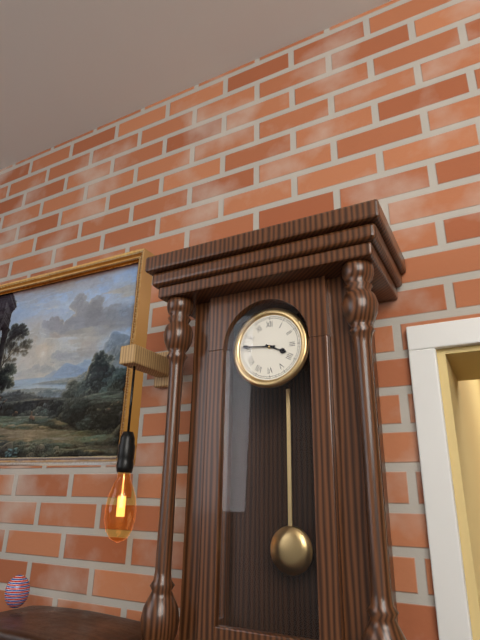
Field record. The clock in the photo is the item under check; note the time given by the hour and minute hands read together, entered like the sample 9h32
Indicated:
3h46
